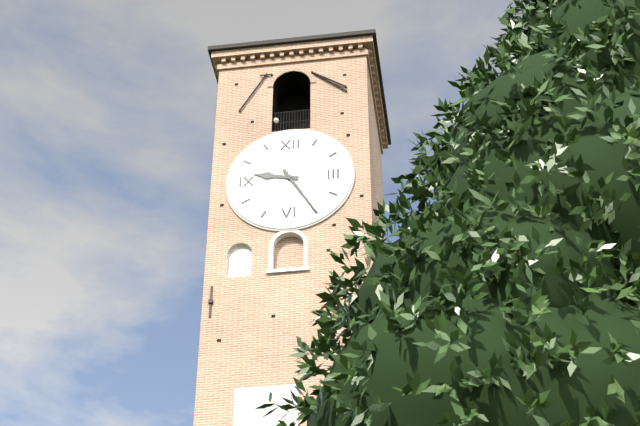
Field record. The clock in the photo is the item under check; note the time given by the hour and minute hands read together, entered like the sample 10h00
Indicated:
9h25
